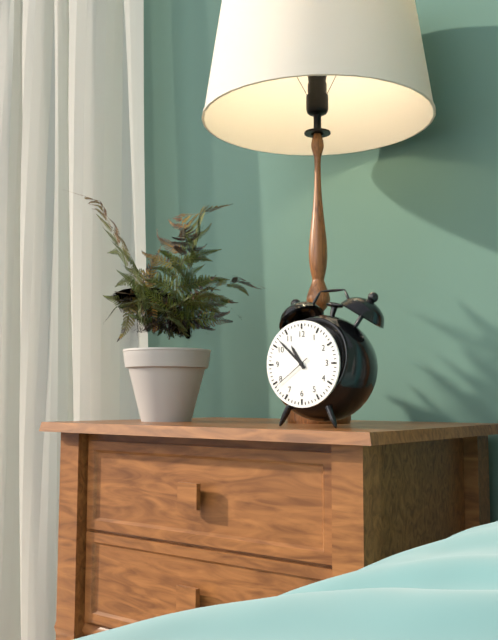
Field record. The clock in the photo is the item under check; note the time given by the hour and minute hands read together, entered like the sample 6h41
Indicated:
10h52
